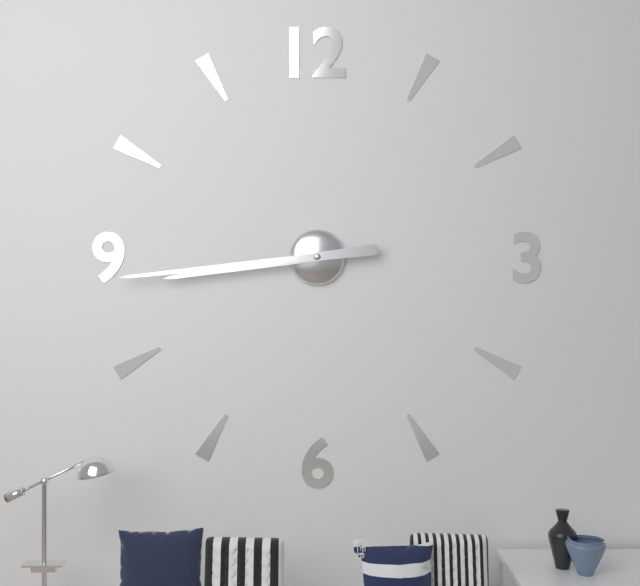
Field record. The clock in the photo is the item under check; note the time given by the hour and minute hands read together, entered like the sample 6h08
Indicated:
8h44
